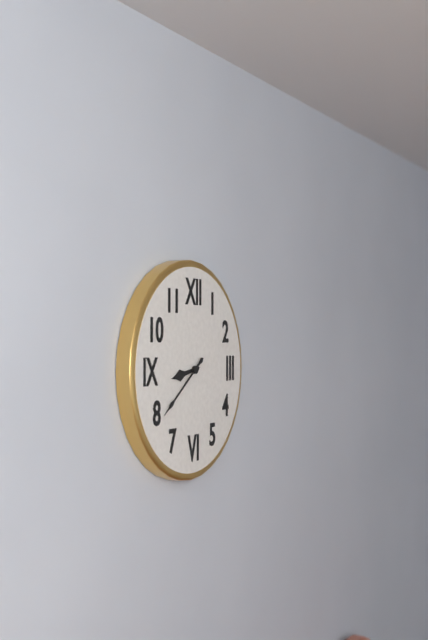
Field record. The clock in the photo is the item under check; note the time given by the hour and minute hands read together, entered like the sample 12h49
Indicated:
8h39
